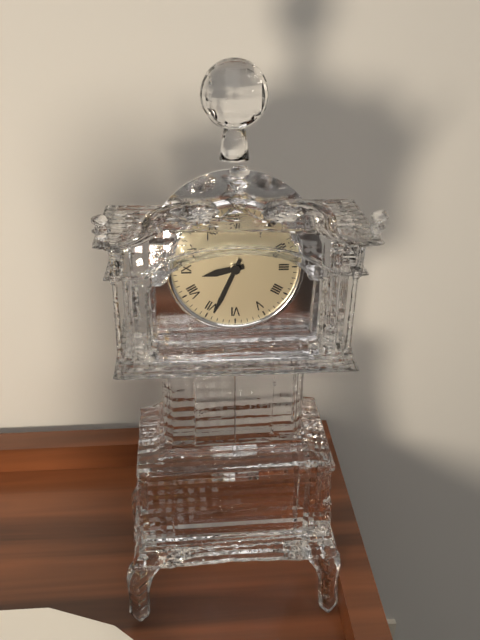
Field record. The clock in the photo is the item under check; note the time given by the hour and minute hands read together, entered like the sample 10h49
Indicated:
8h34
